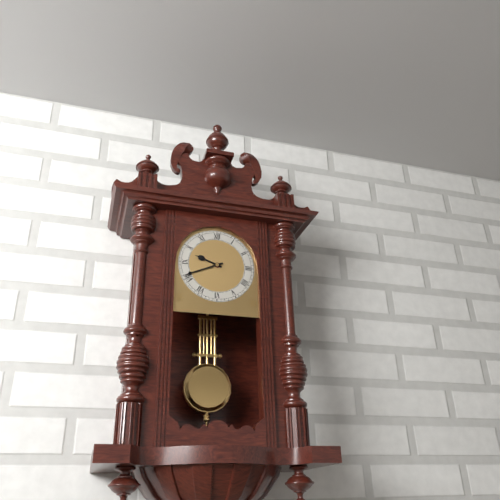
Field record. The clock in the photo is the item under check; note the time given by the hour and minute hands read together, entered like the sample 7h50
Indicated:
9h41
